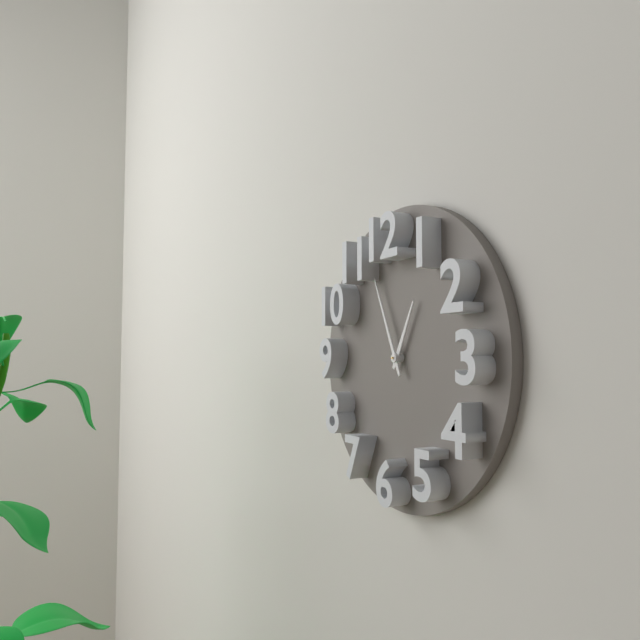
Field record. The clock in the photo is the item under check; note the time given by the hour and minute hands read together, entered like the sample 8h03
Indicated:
12h56
